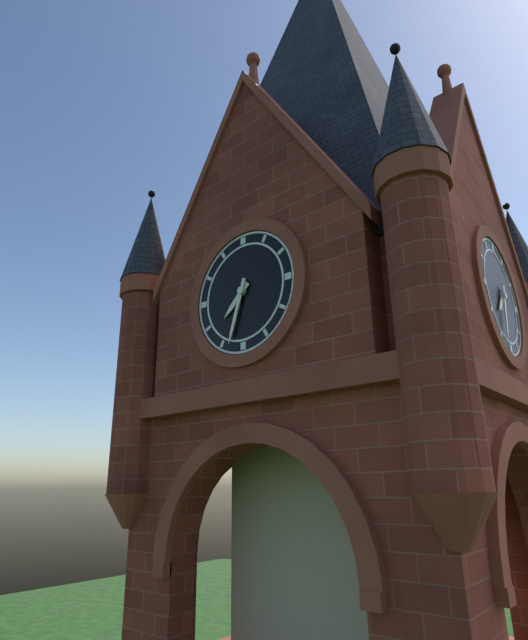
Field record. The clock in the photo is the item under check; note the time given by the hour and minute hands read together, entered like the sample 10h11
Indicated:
7h33
